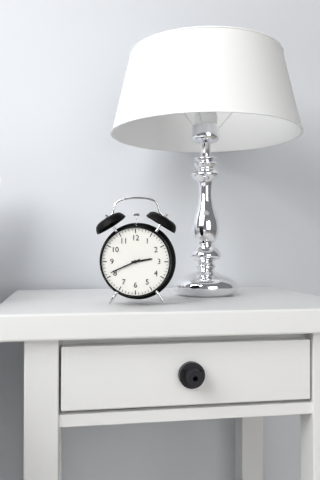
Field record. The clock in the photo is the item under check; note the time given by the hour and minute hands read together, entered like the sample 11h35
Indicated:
2h41
